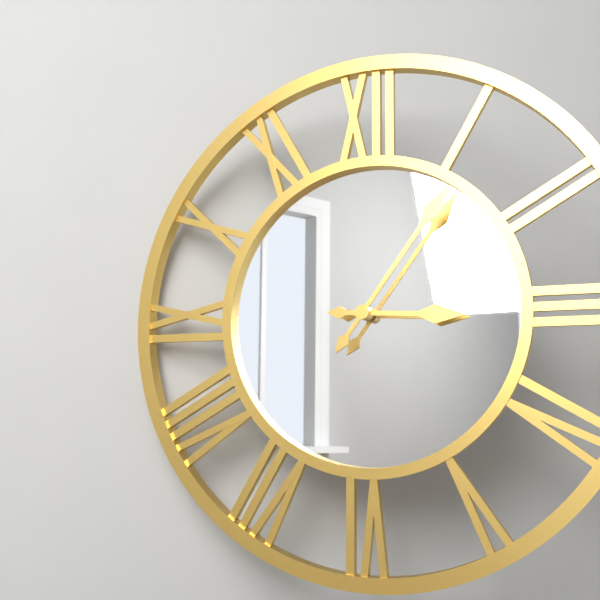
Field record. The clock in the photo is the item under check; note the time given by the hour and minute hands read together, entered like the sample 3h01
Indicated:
3h06
